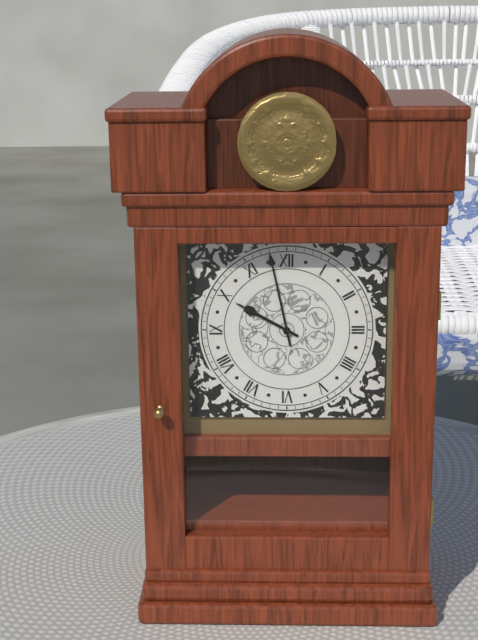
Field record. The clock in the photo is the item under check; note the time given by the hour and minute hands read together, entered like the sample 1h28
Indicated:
9h58
